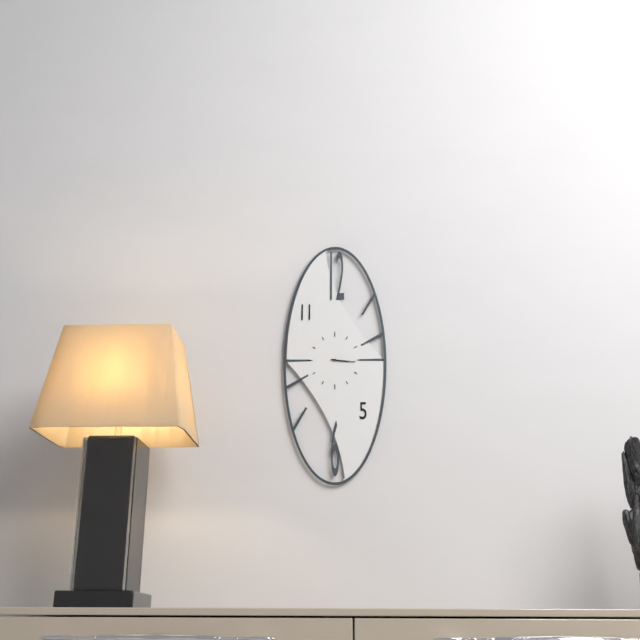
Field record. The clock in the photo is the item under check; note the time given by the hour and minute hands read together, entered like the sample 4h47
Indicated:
3h16
